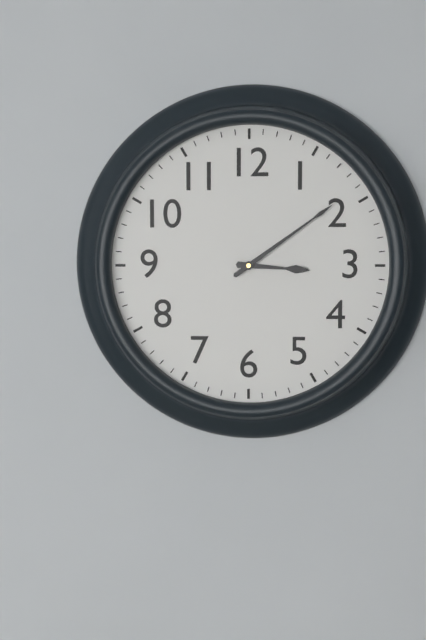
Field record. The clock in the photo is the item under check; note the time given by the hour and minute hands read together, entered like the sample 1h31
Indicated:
3h09
